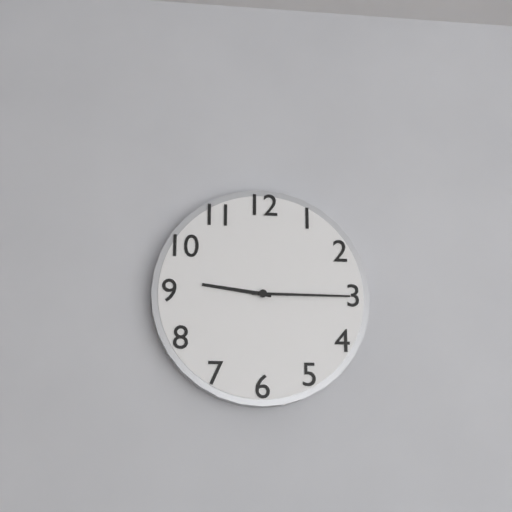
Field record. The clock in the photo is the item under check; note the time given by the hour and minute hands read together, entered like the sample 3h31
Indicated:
9h15
